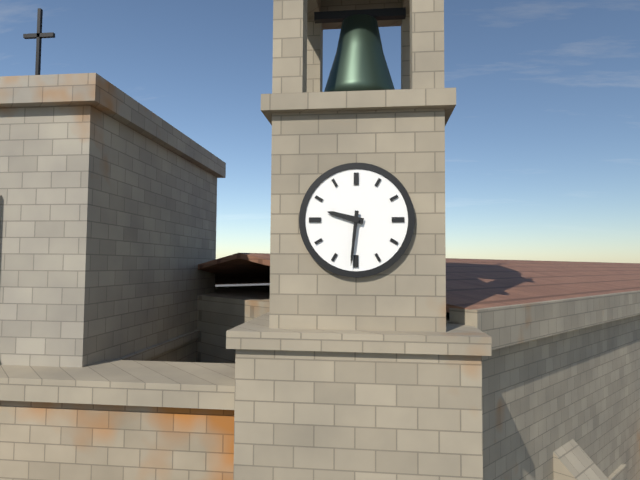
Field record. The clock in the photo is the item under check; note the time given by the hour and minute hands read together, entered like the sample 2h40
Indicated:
9h31
